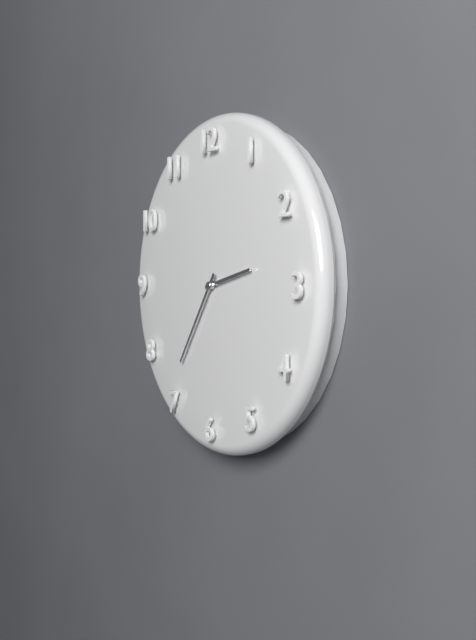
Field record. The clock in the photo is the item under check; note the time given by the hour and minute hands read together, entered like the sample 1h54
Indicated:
2h36
